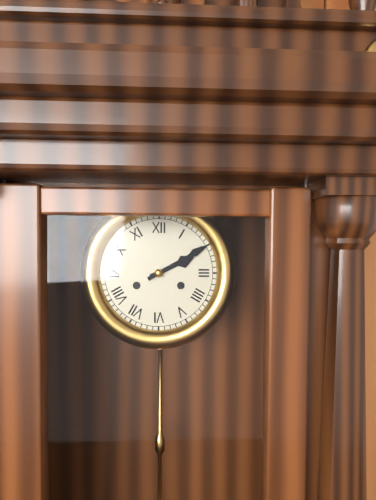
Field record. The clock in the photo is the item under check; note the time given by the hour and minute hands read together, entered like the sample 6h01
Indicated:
2h10
